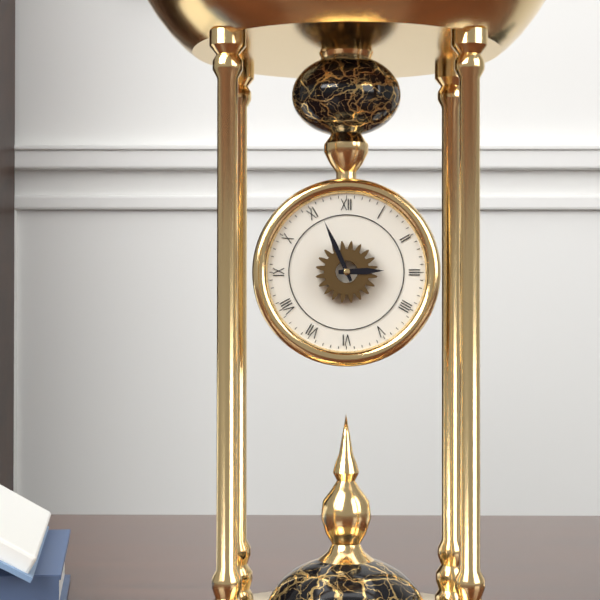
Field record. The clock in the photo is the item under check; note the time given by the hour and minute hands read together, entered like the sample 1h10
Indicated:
2h56
